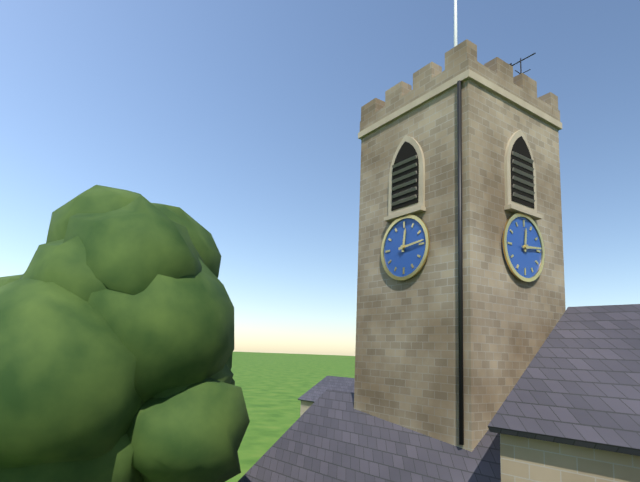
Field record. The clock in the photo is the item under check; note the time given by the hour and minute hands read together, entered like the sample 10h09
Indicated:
12h14
